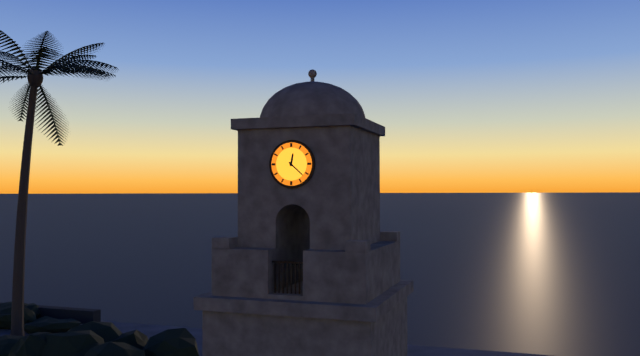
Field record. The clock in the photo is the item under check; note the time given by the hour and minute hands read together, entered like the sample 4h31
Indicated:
12h22
